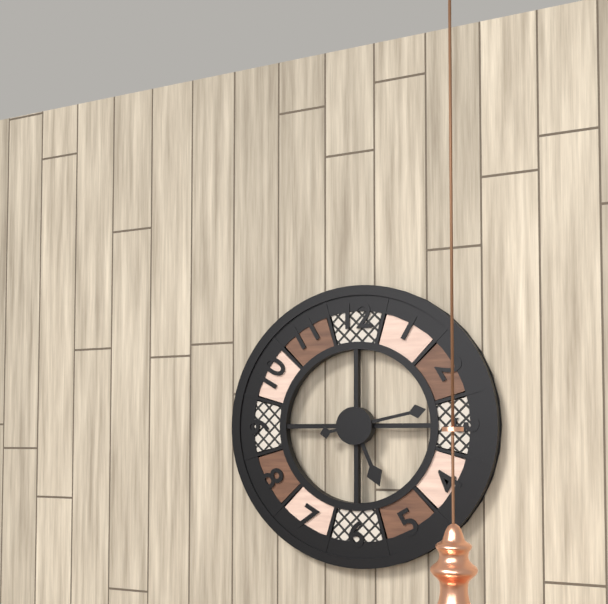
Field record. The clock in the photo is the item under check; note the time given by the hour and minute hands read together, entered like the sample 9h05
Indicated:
5h13
